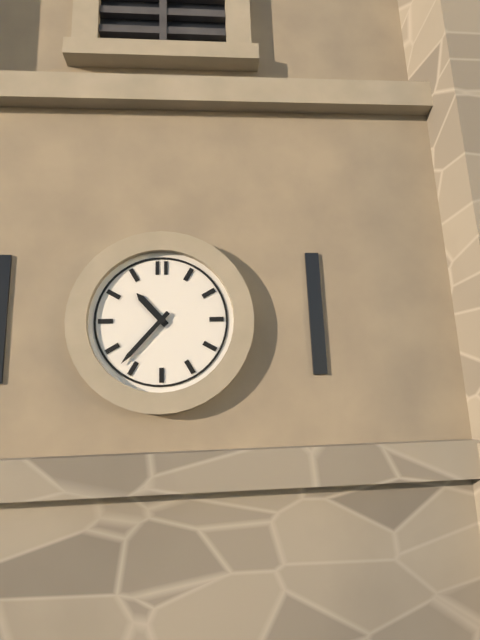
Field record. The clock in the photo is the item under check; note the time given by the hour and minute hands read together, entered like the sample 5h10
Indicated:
10h37
